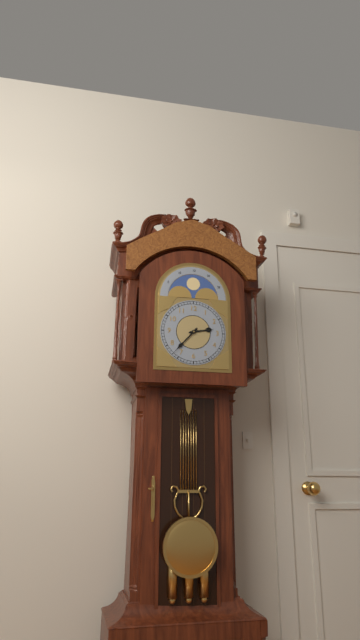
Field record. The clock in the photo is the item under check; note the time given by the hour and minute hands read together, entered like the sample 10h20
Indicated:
2h37
